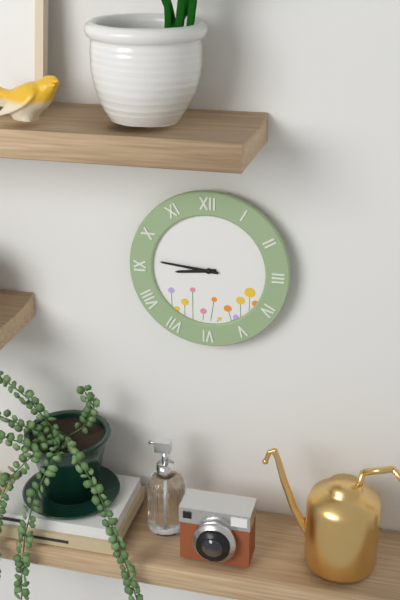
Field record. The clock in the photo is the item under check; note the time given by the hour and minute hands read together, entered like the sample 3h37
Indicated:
8h46
